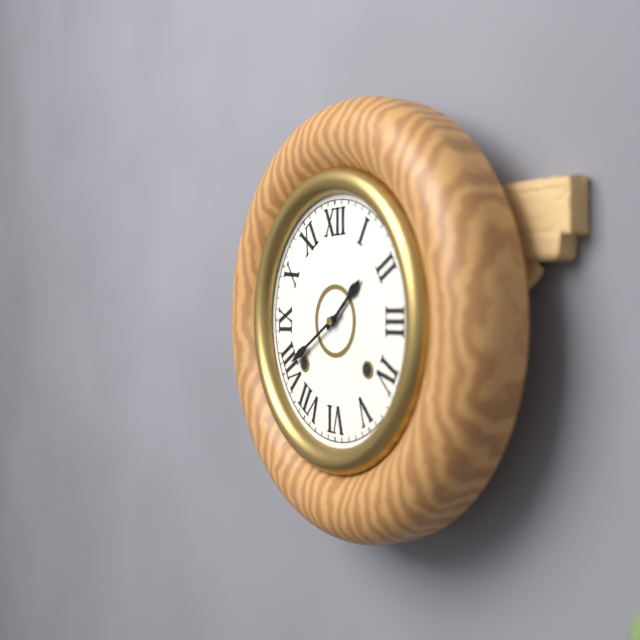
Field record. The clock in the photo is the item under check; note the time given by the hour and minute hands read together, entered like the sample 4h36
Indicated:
1h40
